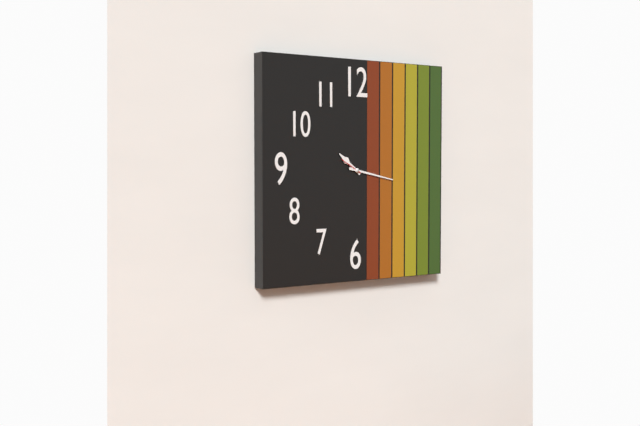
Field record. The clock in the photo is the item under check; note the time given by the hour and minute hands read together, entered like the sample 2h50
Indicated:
10h17
